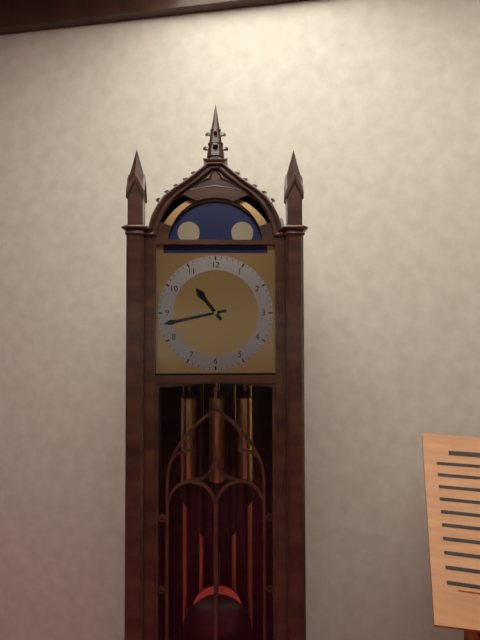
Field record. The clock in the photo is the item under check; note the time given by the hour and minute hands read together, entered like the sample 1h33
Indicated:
10h43
